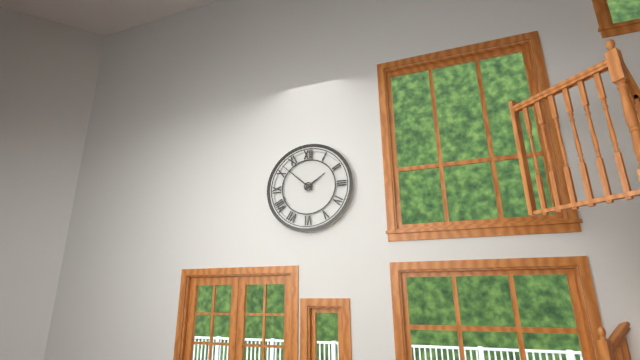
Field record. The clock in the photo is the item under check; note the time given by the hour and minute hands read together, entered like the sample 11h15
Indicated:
1h52
